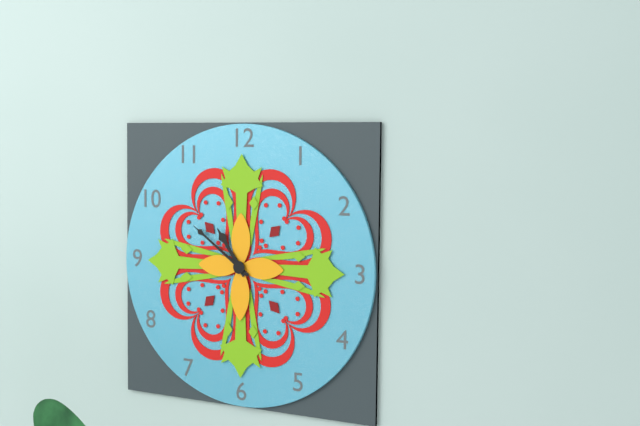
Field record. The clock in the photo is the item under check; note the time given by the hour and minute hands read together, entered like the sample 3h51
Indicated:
10h51
